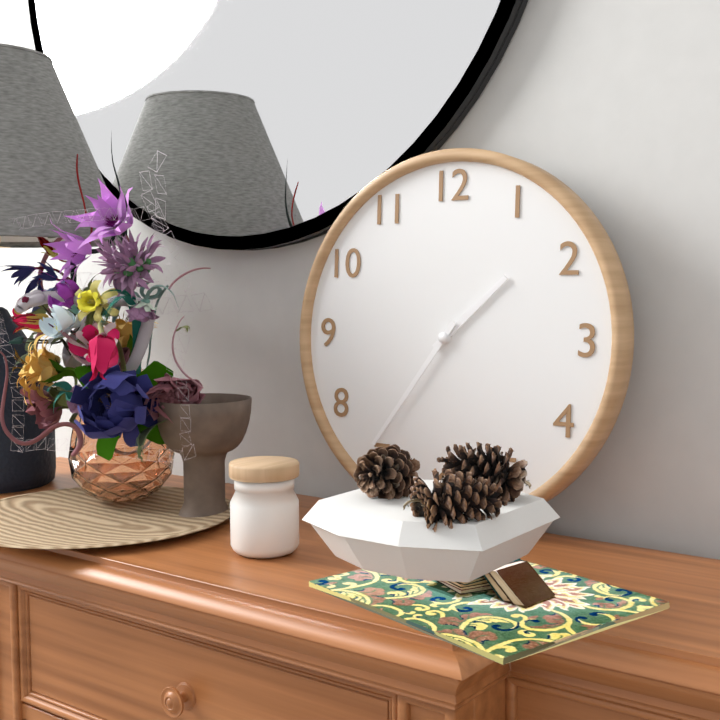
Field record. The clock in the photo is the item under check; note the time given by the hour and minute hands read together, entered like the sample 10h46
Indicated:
1h36
